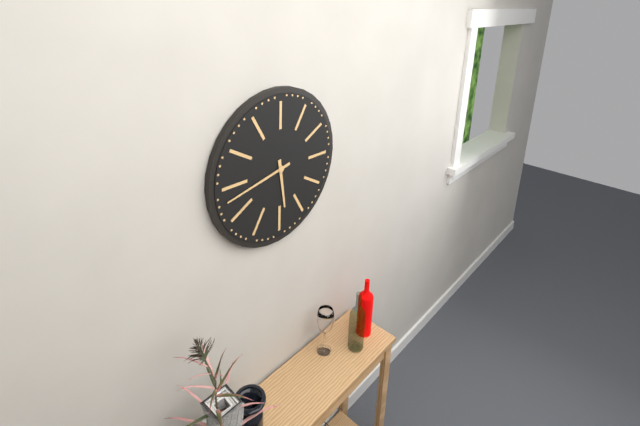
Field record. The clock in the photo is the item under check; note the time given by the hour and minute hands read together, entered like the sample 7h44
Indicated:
5h43
